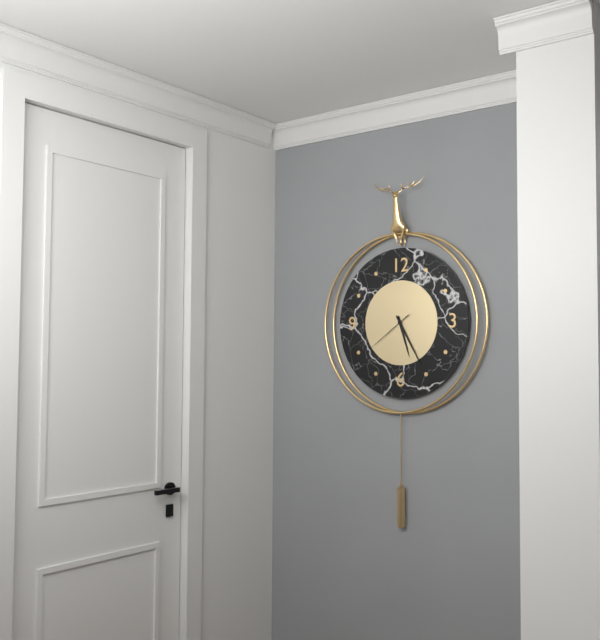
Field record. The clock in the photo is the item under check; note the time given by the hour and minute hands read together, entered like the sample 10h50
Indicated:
5h25
